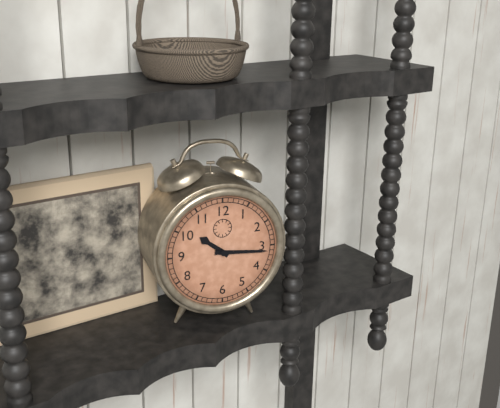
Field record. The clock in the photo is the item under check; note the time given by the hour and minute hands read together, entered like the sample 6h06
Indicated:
10h16
